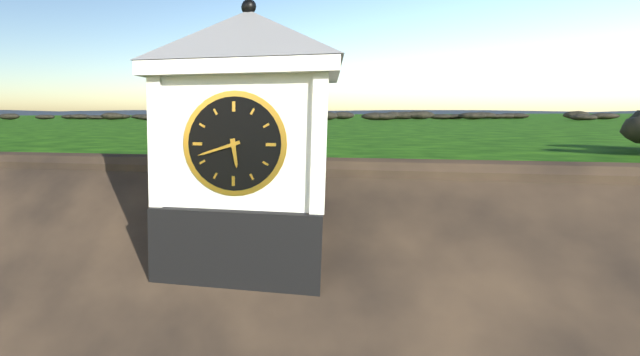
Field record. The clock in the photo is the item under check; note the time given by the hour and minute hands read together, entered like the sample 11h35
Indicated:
5h42
